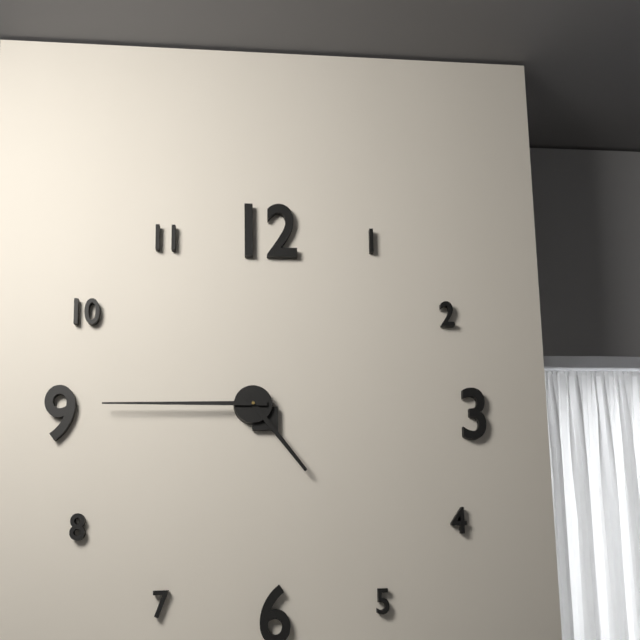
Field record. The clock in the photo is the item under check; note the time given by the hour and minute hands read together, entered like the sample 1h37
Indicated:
4h45
